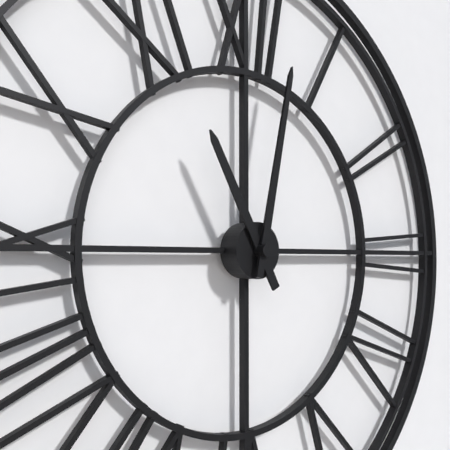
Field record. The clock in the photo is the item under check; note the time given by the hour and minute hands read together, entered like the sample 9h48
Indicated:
11h02
